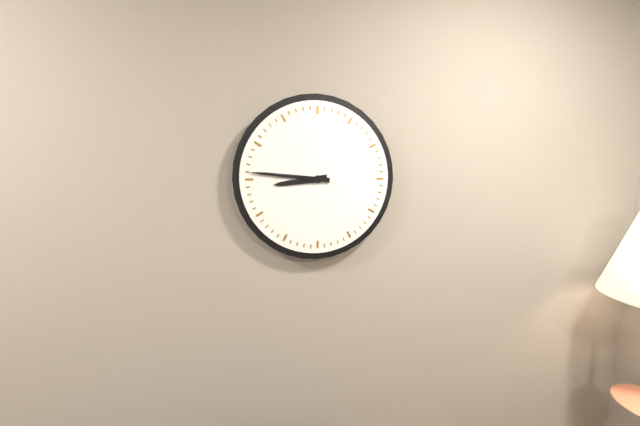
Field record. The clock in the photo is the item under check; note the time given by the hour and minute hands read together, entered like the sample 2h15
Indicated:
8h46
